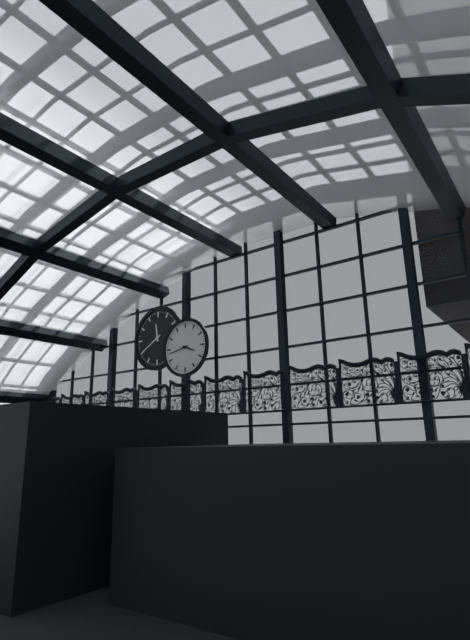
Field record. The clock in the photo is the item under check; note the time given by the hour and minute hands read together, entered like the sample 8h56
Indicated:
3h43
